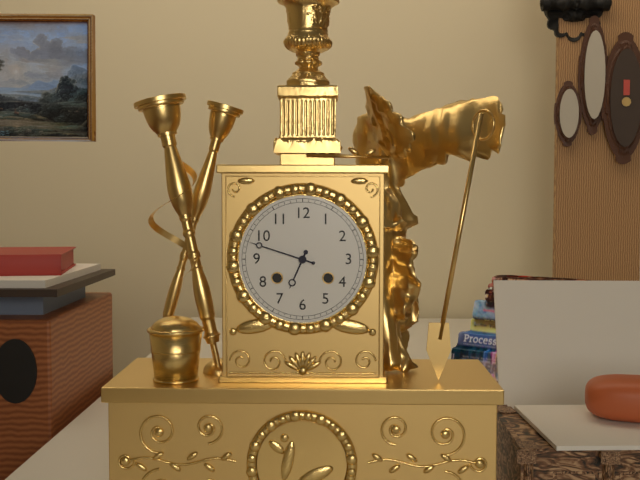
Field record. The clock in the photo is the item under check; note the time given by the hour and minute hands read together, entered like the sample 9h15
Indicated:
6h48
